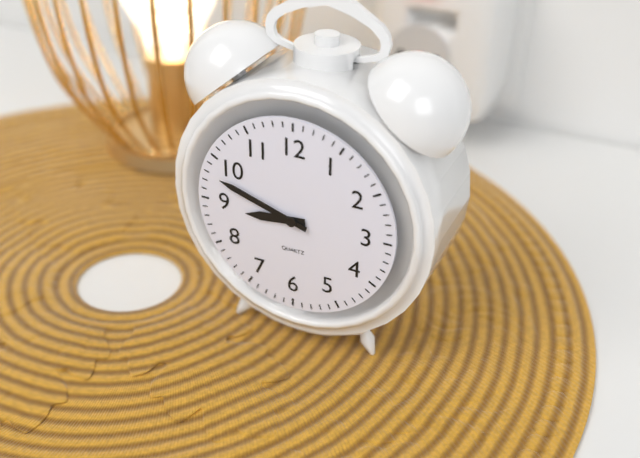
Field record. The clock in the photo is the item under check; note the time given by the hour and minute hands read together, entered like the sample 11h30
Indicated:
8h48
